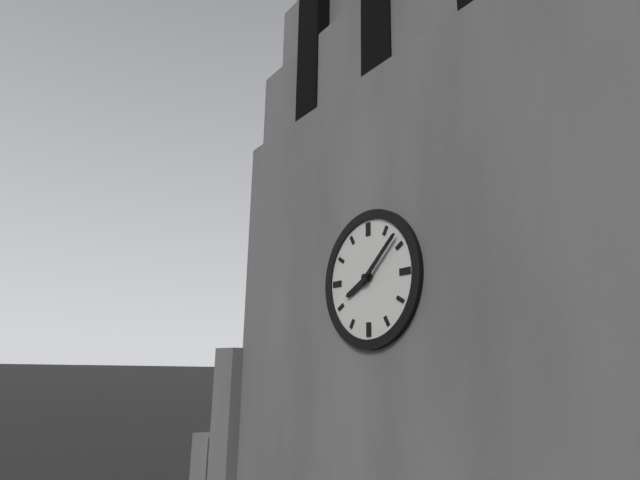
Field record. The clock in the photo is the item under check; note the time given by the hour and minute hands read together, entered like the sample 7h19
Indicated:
8h08
